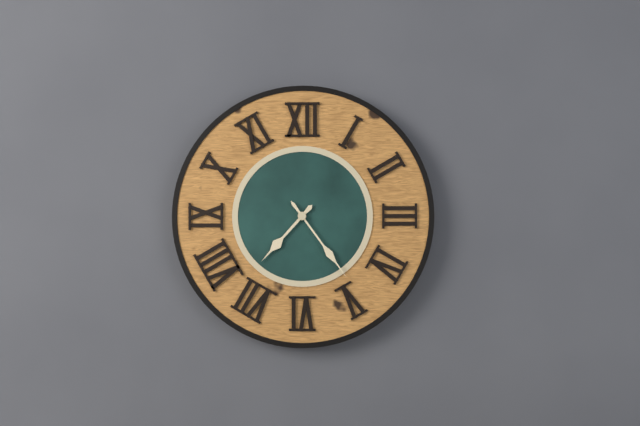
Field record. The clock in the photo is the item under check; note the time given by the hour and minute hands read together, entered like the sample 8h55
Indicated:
7h24
